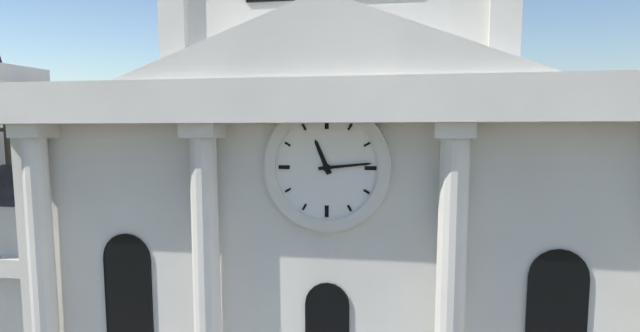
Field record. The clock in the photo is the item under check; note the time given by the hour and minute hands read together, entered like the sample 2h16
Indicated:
11h14
